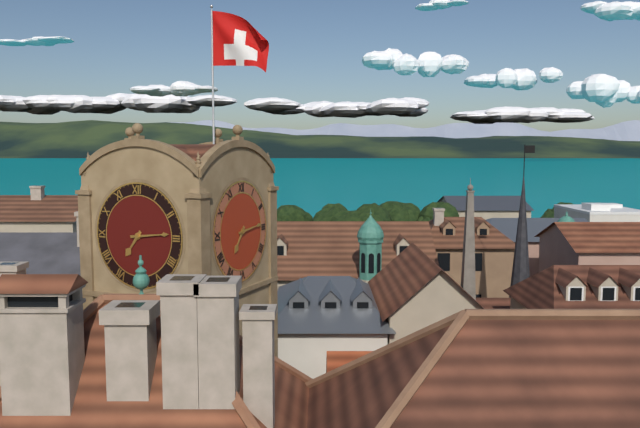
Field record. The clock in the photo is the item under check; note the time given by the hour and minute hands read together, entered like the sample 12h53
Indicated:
7h14
